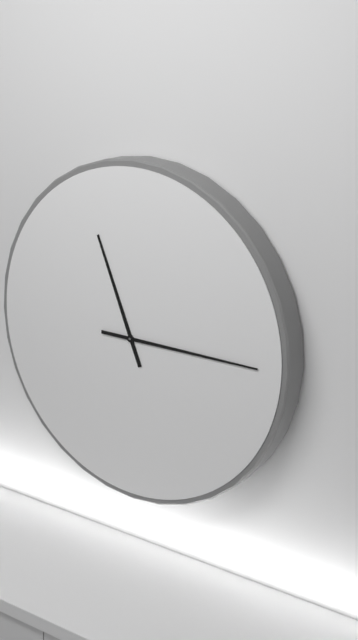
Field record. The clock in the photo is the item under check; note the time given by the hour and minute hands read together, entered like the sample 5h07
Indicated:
11h15
